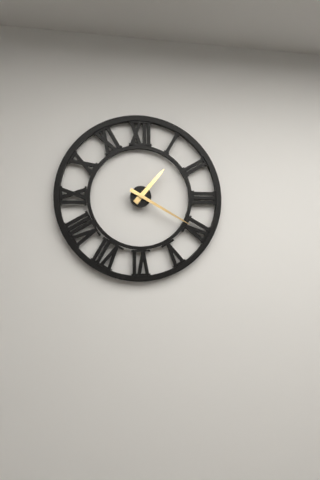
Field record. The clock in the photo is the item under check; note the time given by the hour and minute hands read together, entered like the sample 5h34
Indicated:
1h20
